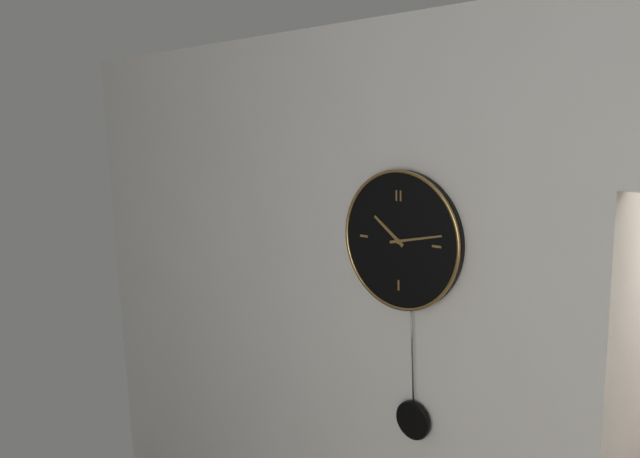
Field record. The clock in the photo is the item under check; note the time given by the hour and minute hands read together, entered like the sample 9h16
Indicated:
10h13
